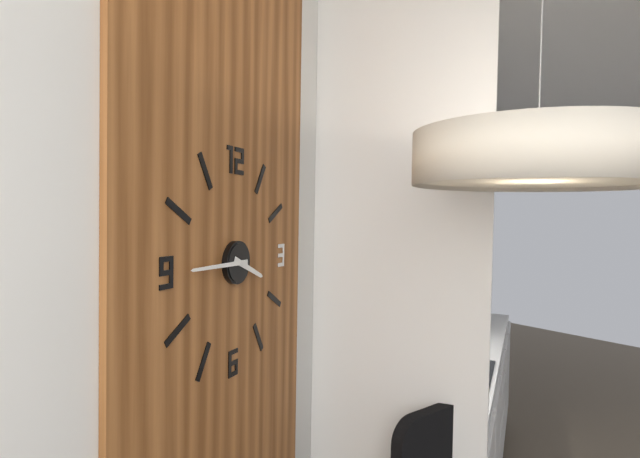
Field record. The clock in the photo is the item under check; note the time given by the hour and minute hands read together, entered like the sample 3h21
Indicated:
3h45
